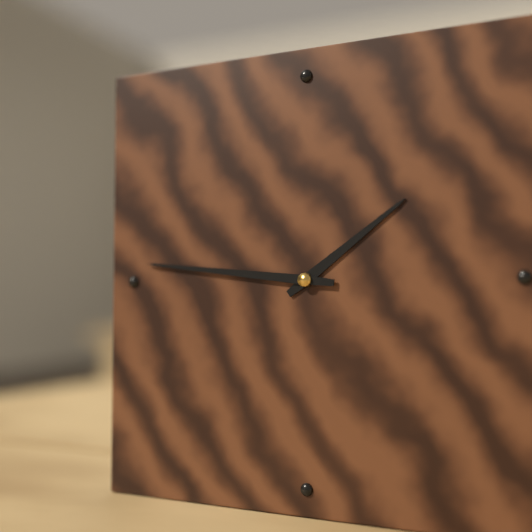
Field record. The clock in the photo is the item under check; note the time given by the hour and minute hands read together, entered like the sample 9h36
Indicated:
1h46
